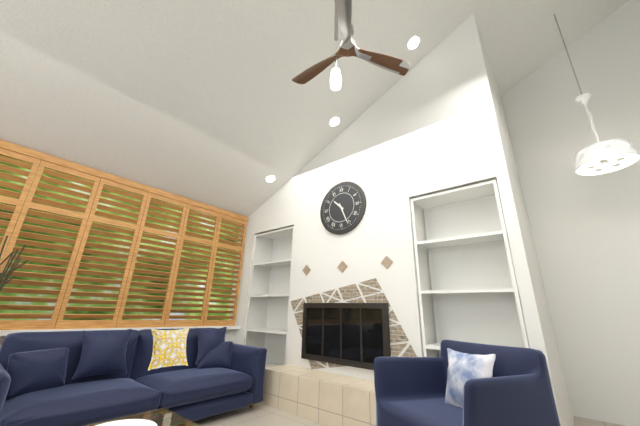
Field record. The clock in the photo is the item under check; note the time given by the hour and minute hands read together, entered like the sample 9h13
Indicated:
10h26
